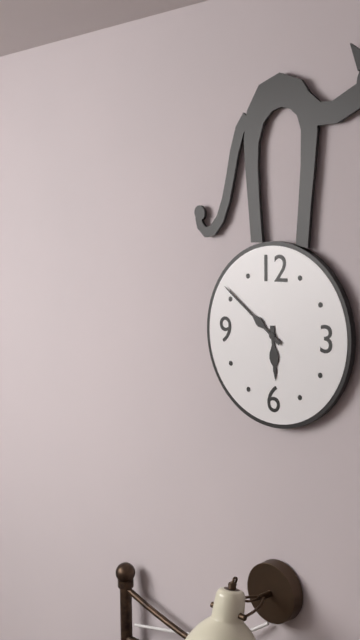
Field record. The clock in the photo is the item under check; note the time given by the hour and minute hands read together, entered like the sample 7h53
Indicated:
5h51
